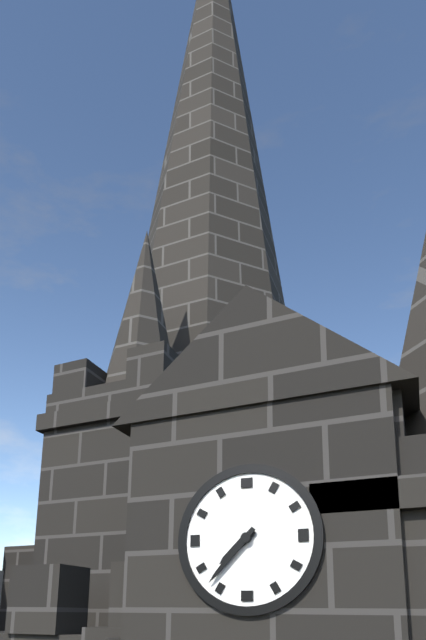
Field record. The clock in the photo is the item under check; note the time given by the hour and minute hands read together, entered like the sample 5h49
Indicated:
7h37
